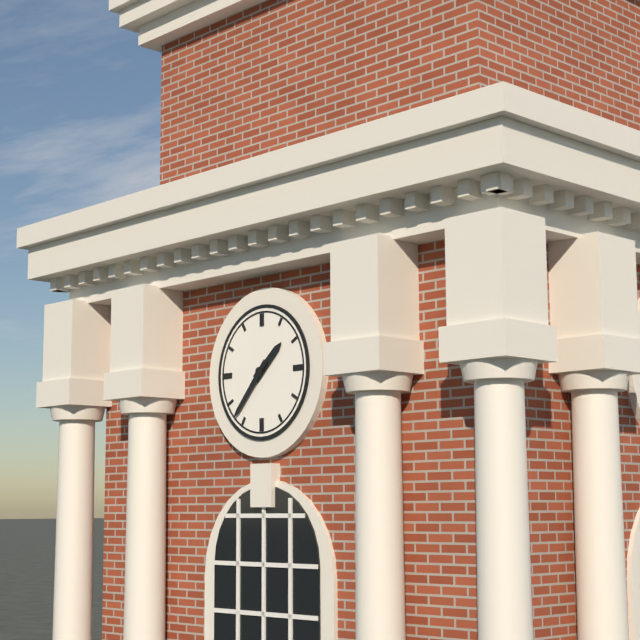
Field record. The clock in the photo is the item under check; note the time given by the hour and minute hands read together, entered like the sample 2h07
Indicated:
1h37
